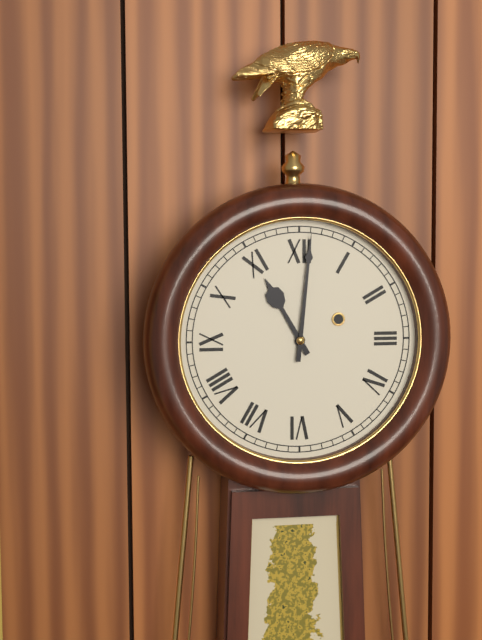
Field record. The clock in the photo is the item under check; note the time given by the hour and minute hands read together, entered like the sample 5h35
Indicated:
11h01
